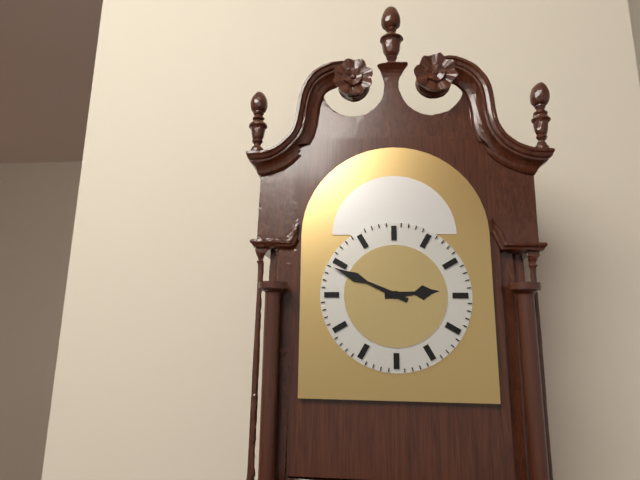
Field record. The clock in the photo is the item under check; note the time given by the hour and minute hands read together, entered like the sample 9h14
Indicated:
2h49
